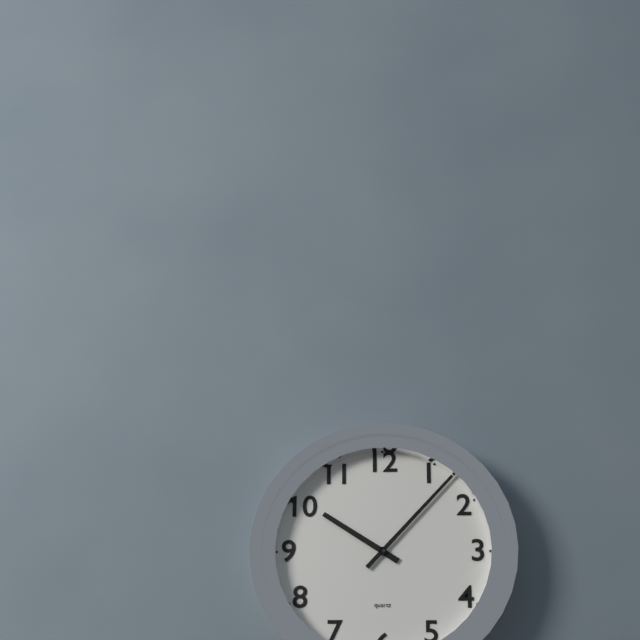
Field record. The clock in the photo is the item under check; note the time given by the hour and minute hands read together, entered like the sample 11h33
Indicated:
10h07
